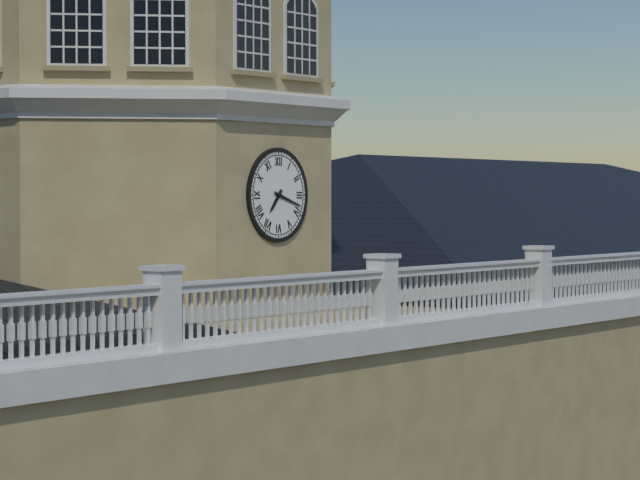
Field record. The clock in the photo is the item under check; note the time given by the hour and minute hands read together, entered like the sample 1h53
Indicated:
7h18
